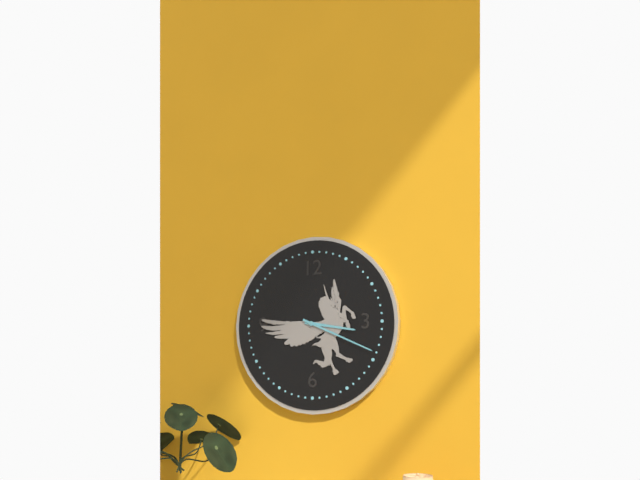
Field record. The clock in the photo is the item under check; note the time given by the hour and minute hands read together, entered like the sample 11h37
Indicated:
3h19
